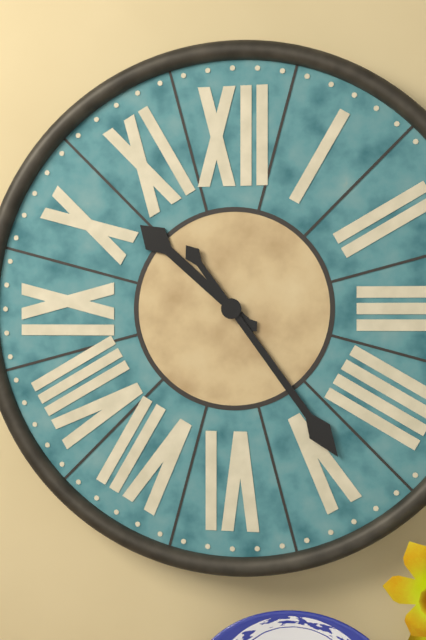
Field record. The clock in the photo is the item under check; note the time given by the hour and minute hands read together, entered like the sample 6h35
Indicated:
10h24
